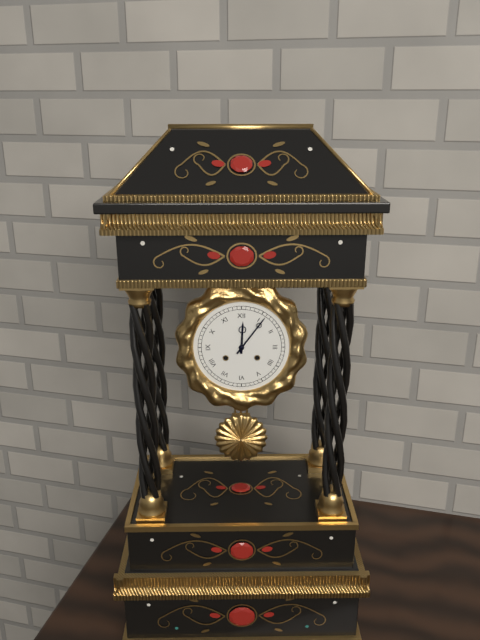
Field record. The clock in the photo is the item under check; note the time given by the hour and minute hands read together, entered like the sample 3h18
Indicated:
12h06
